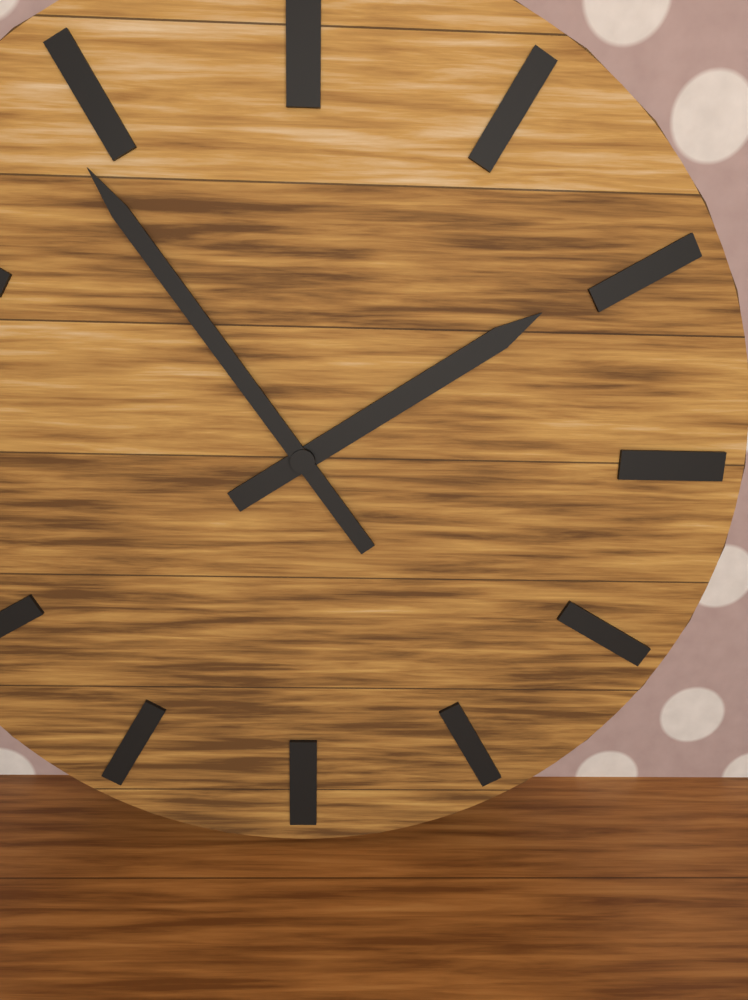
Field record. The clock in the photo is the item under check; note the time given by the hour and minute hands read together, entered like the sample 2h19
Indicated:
1h54
